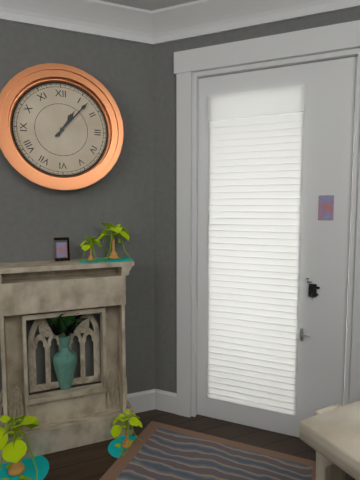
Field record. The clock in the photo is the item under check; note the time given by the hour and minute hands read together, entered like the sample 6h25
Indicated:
1h07
